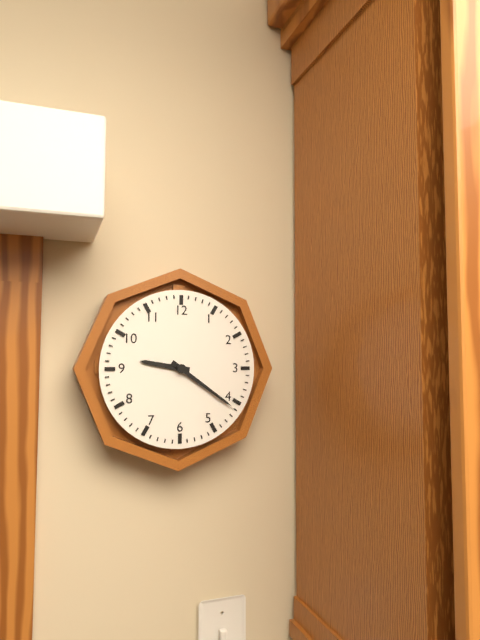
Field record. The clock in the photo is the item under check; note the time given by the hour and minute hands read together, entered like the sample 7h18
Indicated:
9h21
